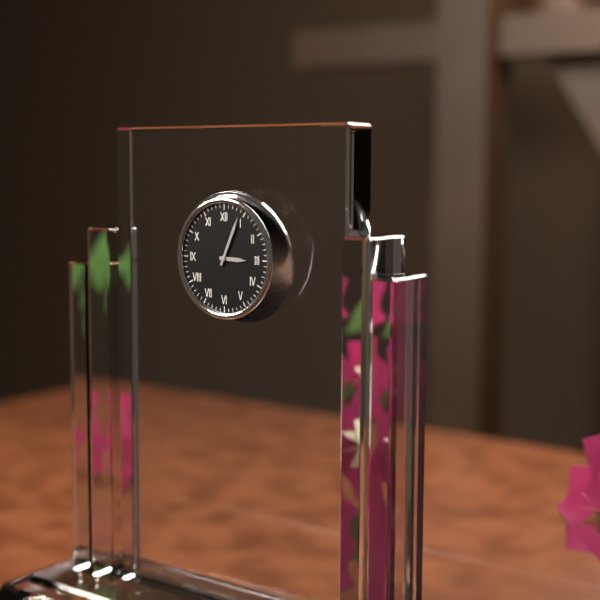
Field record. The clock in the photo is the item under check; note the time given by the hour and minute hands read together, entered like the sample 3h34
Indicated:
3h04
